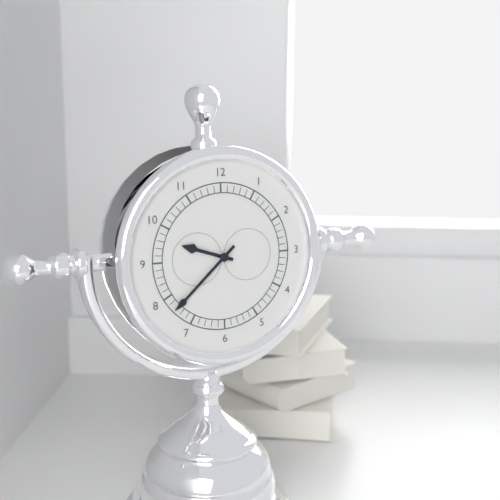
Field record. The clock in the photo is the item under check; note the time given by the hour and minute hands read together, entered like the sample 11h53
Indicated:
9h38
